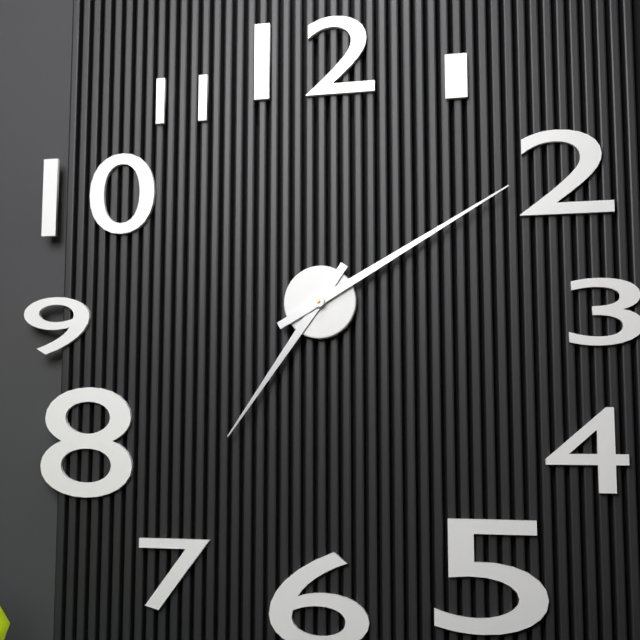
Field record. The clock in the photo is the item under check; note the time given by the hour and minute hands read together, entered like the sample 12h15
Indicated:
7h10
